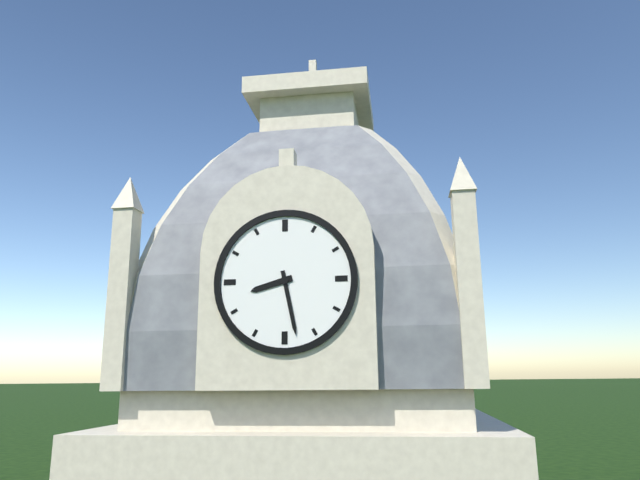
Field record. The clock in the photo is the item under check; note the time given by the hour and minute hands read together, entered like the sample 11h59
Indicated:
8h28
